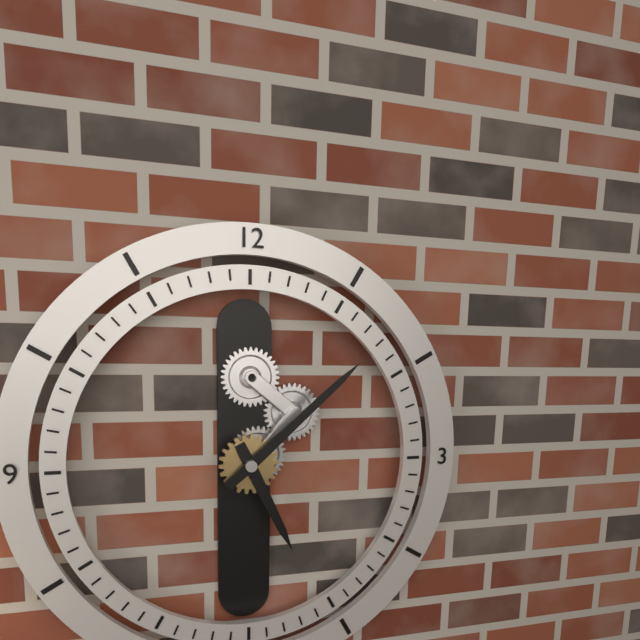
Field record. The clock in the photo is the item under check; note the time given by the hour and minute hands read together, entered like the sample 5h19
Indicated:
5h08
